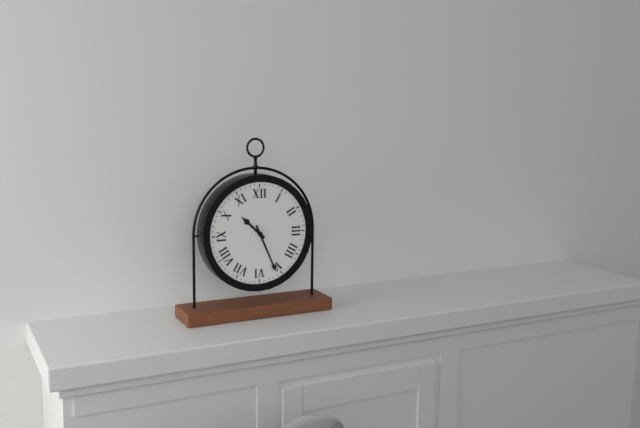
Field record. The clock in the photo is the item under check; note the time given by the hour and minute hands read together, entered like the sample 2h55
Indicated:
10h26
